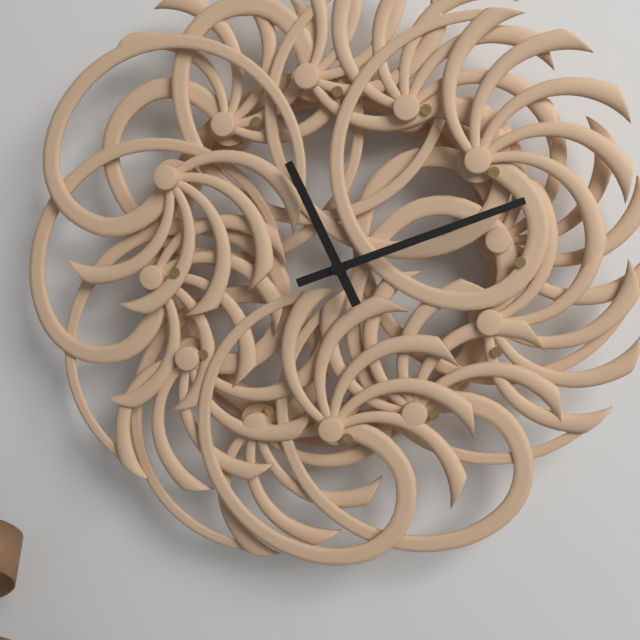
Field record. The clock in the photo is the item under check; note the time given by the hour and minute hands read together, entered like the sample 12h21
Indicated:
11h12
